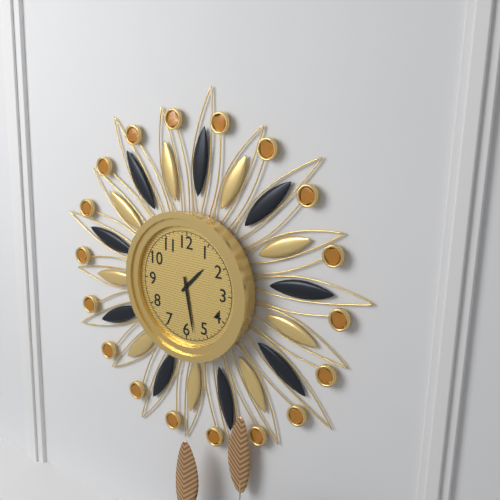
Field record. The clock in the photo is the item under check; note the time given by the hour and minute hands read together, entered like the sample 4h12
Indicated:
1h28
